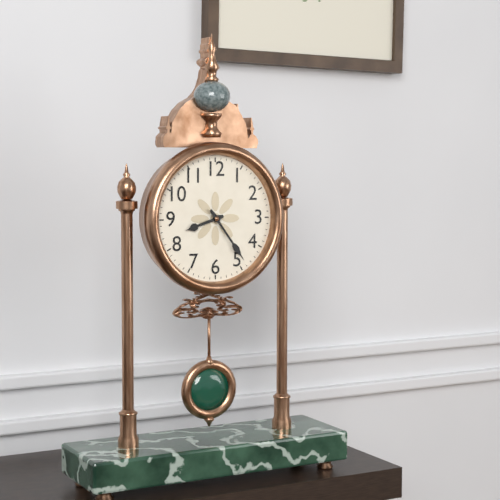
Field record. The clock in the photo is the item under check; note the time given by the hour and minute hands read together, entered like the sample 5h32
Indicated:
8h24
